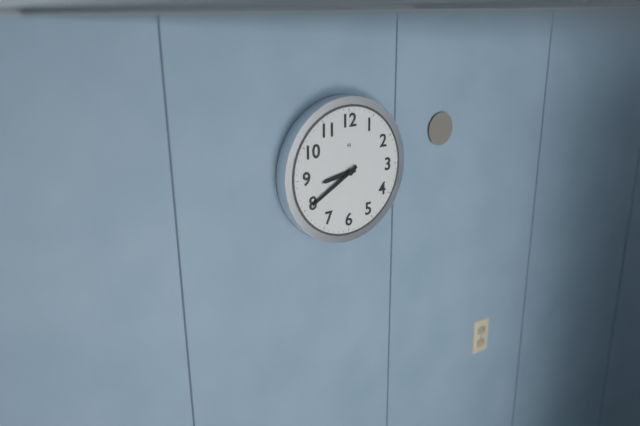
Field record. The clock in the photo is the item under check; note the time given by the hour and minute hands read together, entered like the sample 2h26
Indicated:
8h40
